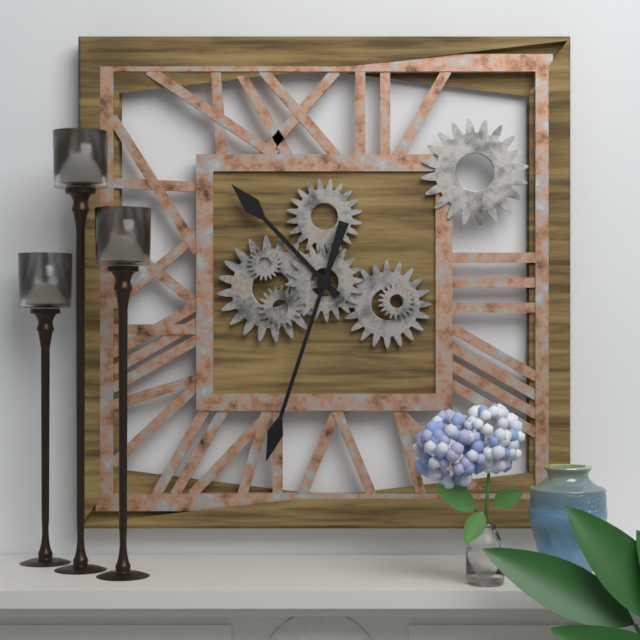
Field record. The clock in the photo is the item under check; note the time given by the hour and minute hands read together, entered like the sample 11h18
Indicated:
10h33
